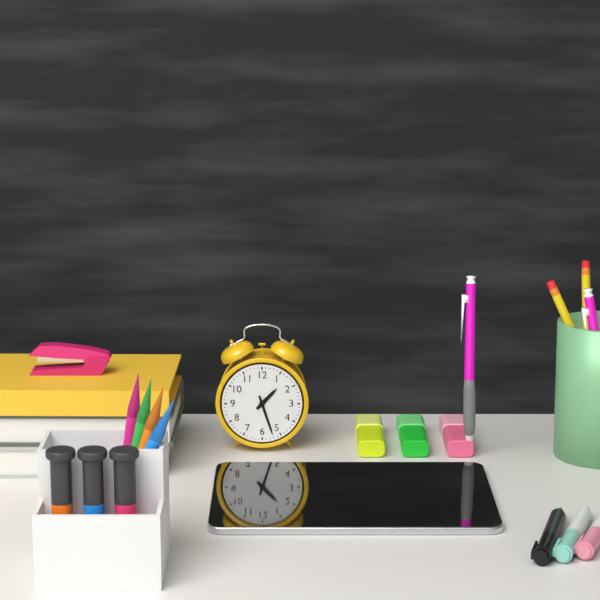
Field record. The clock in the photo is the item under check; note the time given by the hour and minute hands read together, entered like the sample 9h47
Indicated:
1h27
